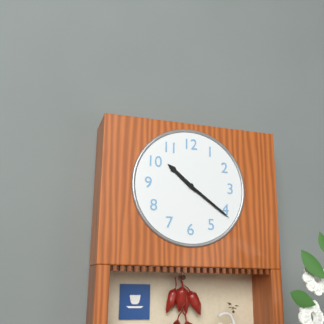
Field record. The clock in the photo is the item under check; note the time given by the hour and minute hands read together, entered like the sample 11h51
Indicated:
10h21
